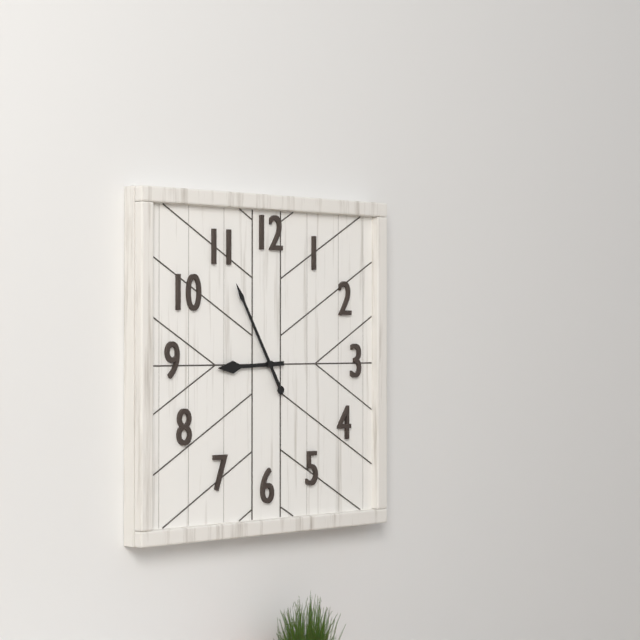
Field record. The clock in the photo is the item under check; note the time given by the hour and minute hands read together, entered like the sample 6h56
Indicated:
8h55
